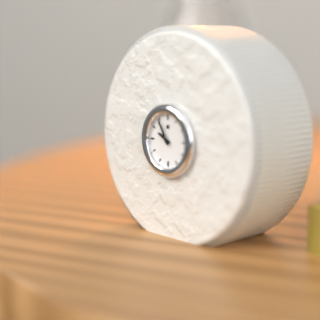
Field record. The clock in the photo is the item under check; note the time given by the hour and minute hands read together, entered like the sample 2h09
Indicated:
9h55
